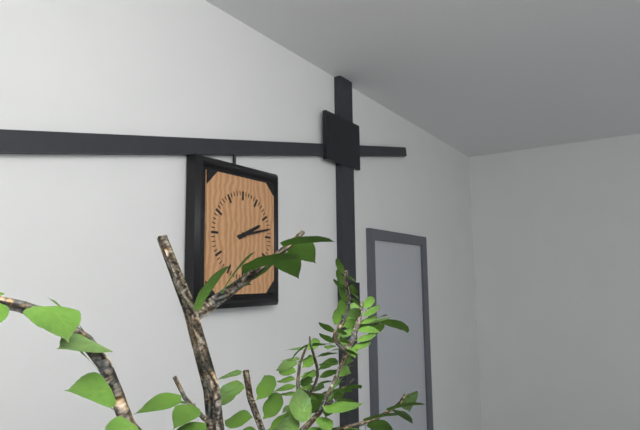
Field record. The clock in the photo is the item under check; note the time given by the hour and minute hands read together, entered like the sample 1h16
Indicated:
2h13
